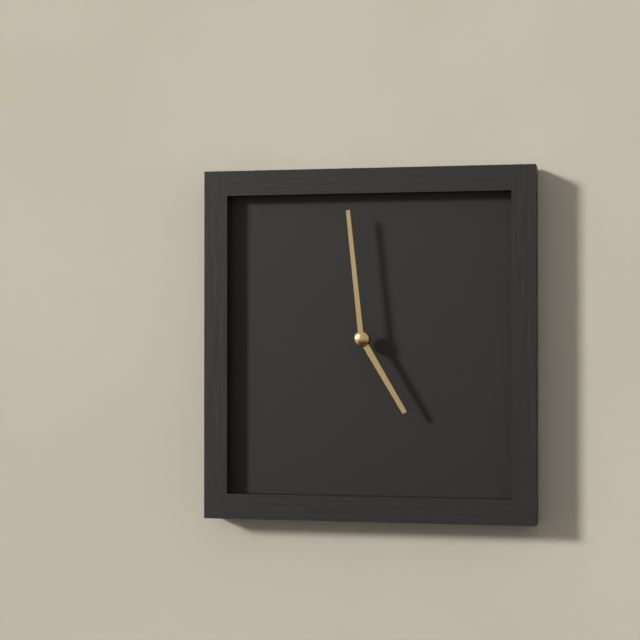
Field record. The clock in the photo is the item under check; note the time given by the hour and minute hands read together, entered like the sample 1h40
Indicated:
4h59
